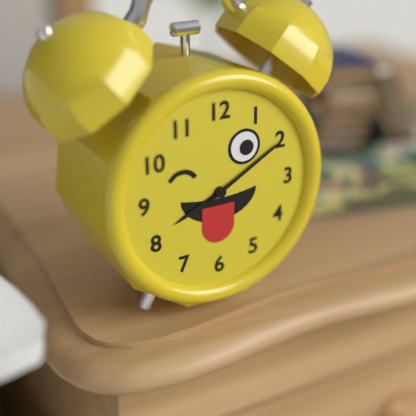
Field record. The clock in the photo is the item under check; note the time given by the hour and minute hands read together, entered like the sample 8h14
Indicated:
8h10
